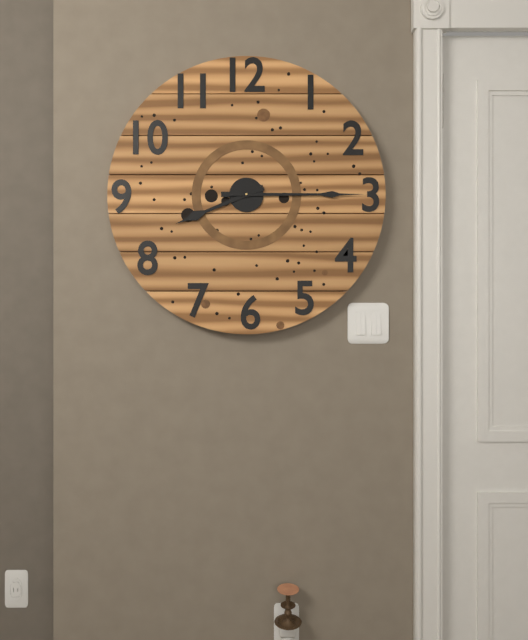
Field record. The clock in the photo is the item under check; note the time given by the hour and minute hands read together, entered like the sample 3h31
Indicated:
8h15
